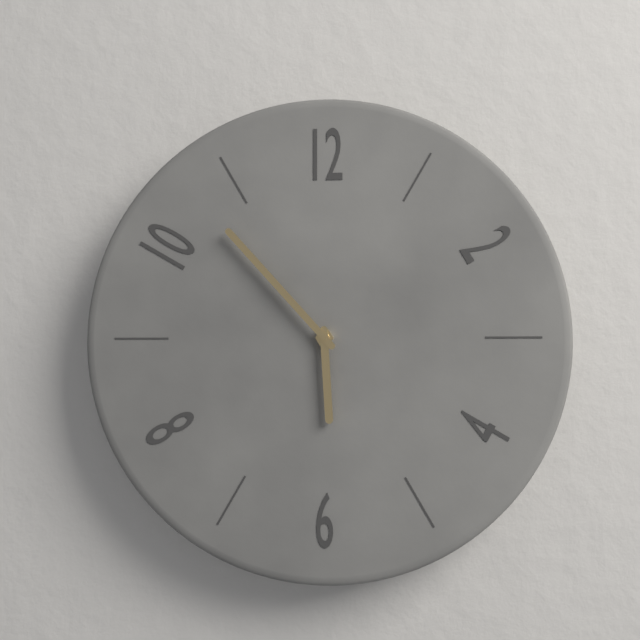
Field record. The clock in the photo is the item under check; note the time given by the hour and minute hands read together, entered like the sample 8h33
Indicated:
5h53
